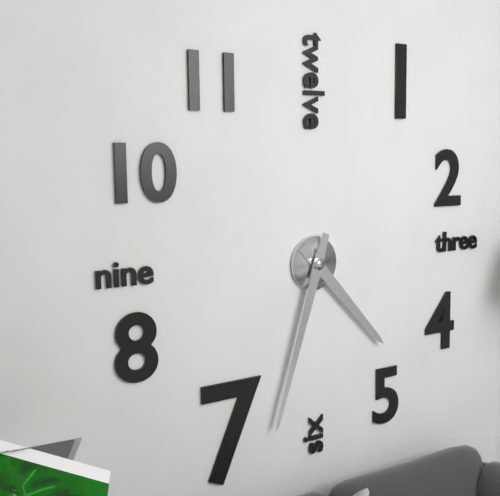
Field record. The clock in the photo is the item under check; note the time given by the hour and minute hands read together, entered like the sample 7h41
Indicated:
4h33
